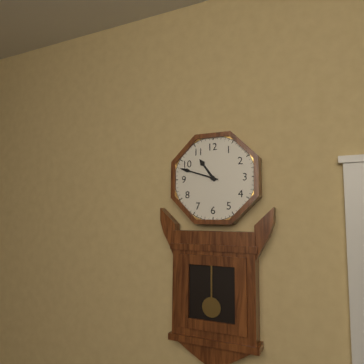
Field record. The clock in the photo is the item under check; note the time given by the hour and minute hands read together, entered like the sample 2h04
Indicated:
10h48
